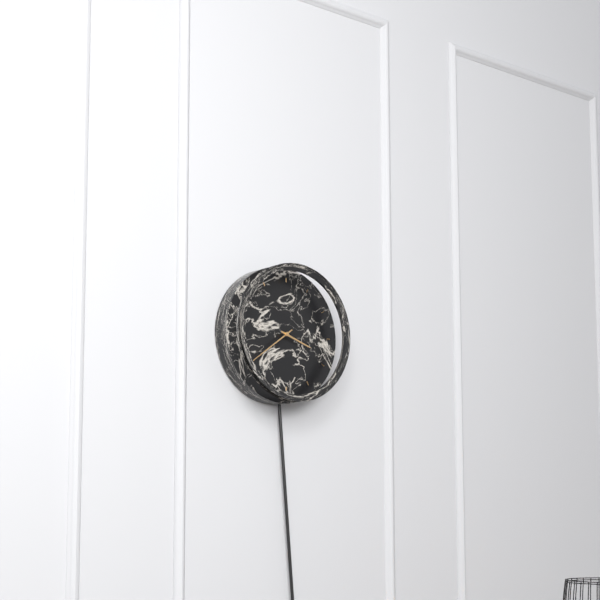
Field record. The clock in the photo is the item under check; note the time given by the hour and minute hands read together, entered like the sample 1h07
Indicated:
3h39
